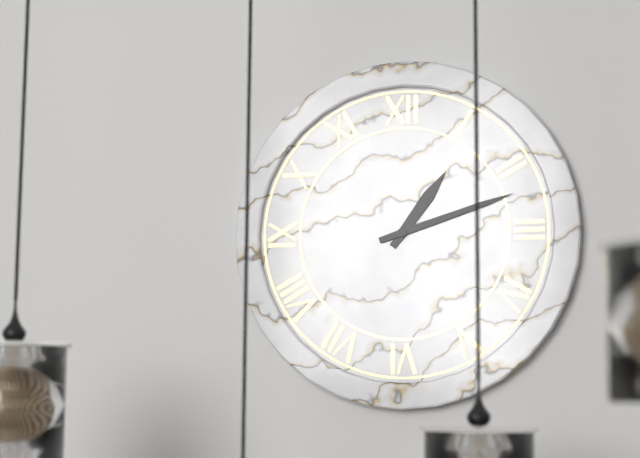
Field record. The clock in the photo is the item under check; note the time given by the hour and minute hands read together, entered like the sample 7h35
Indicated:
1h12
